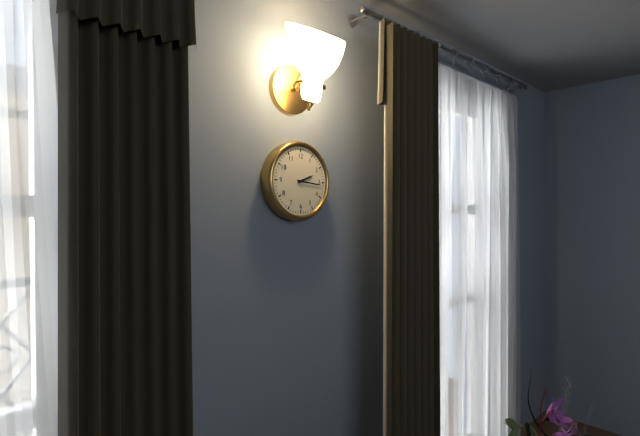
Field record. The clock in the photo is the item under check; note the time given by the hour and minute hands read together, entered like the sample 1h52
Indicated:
2h16
